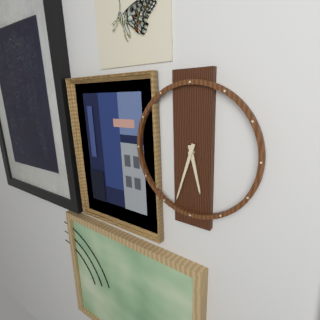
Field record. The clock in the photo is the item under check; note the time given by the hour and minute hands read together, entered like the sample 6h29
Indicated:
5h33
